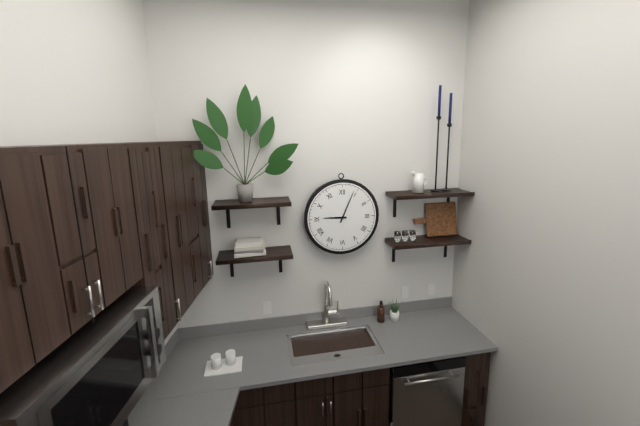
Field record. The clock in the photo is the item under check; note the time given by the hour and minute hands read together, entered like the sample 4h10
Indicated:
9h04
